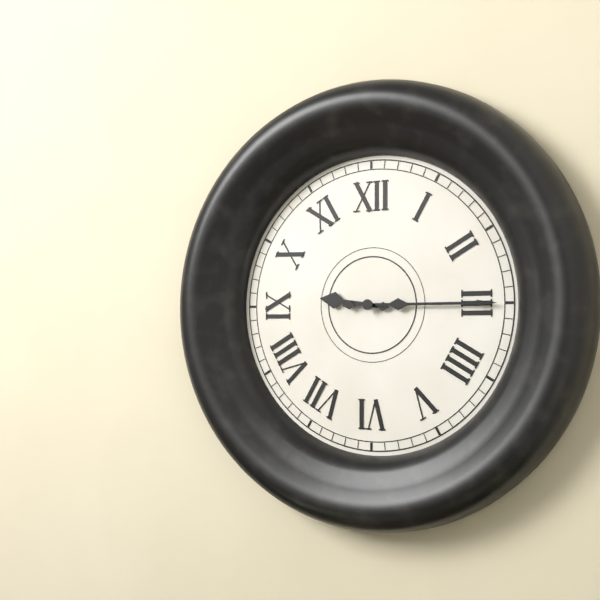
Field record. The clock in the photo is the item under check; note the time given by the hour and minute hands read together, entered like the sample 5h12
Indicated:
9h15
